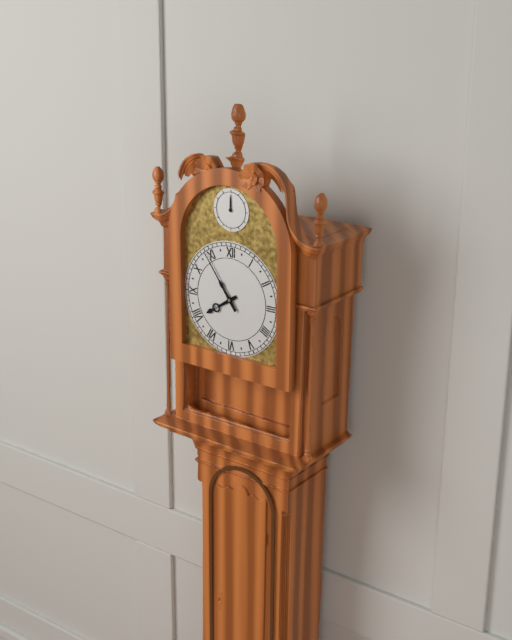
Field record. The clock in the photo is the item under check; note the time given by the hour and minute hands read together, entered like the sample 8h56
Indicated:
7h54
